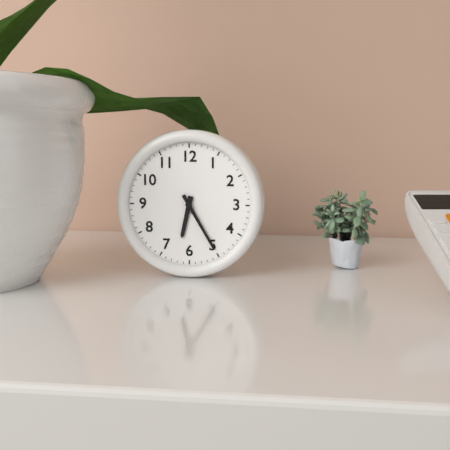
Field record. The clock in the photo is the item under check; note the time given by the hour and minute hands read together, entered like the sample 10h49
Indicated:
6h25
